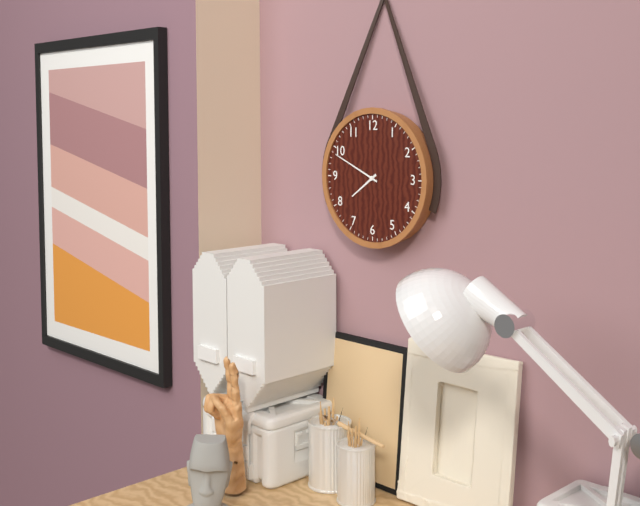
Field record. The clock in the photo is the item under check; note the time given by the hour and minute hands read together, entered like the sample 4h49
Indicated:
7h49
